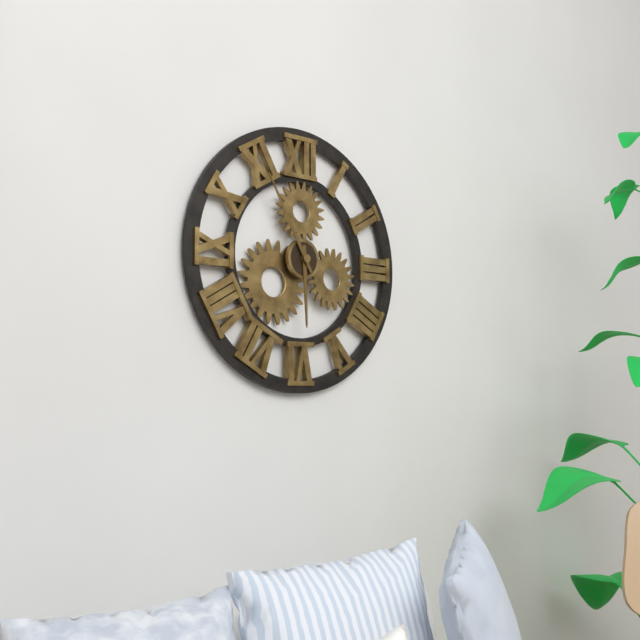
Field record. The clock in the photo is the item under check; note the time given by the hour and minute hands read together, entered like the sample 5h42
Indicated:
5h55
